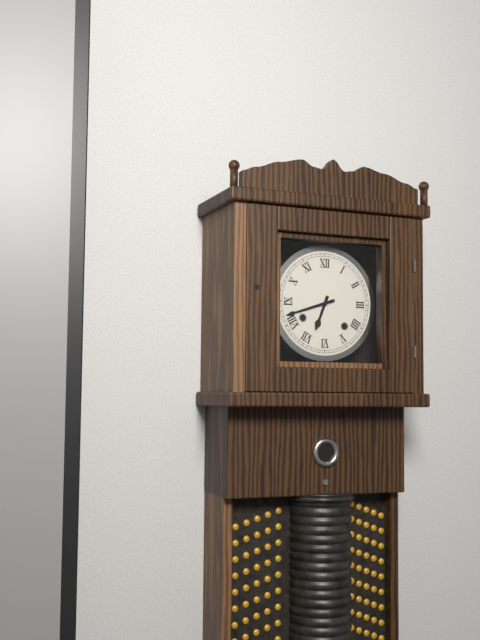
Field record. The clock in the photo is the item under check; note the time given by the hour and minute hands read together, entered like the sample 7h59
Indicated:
6h42
